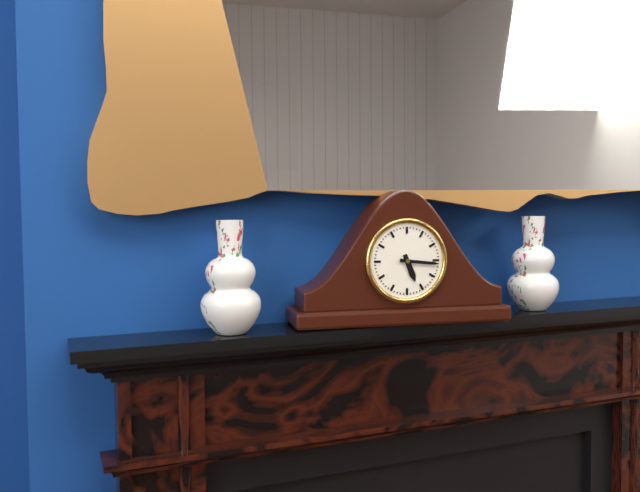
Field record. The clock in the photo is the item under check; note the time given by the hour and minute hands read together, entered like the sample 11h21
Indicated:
5h16
